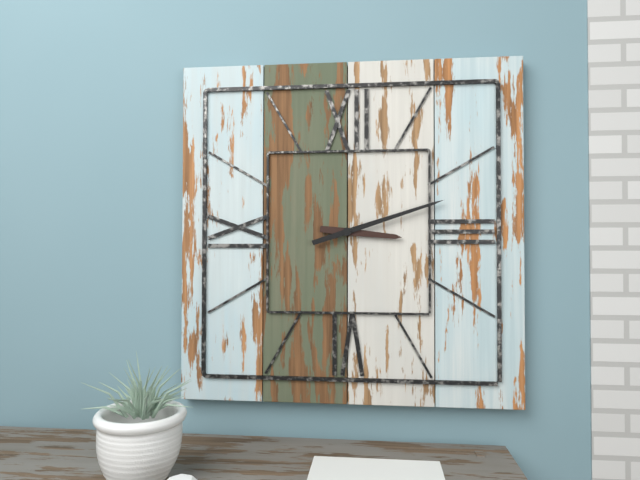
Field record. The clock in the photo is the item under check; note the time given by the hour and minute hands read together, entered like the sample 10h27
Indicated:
3h12
